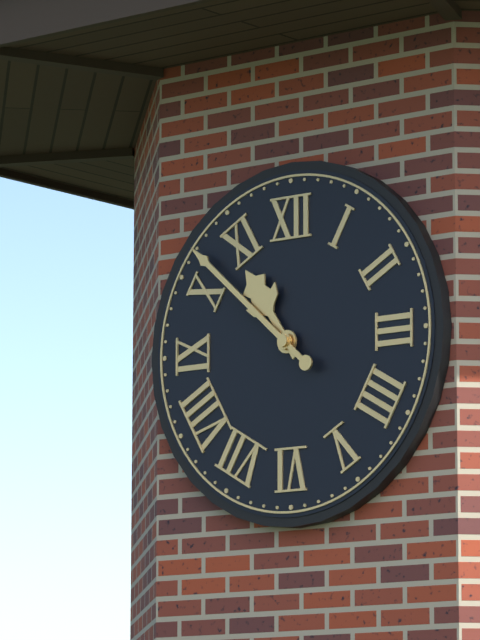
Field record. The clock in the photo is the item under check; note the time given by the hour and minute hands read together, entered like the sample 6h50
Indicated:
10h52
